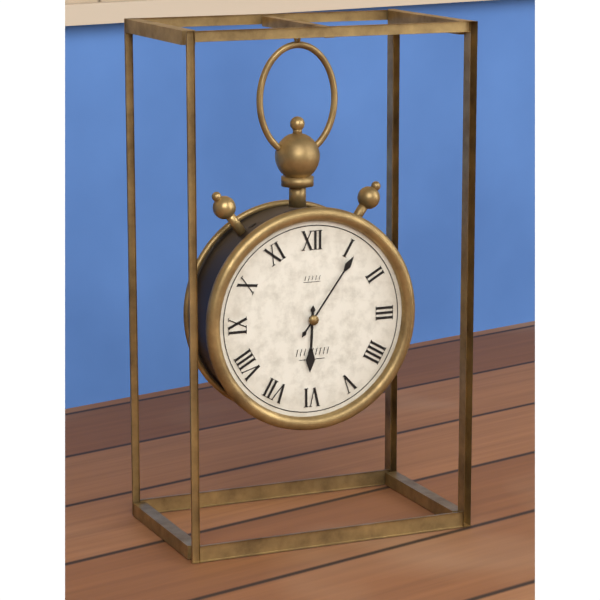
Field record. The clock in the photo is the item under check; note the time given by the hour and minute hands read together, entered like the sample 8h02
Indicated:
6h06
